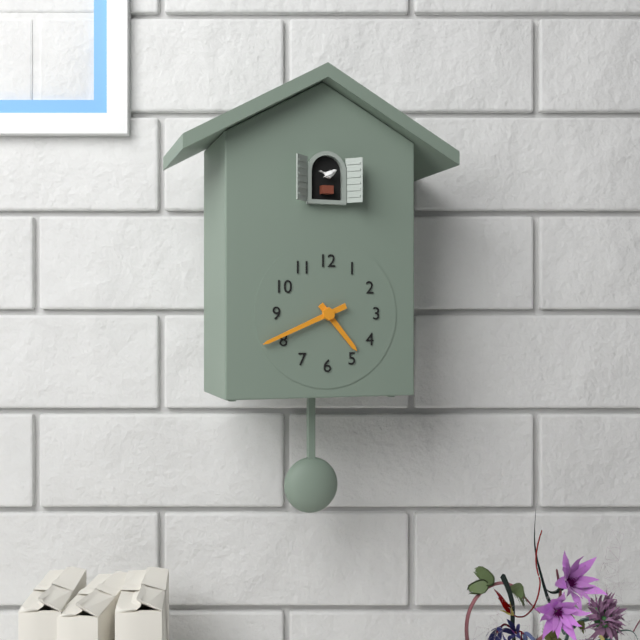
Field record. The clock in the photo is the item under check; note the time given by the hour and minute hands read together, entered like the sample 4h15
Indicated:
4h41
